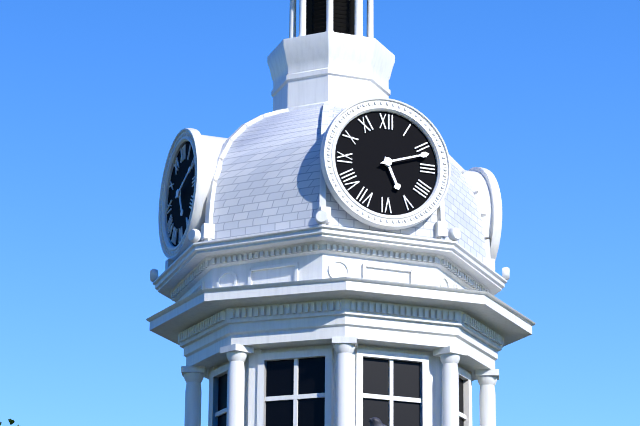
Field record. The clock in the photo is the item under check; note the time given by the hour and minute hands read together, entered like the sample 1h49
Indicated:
5h12
